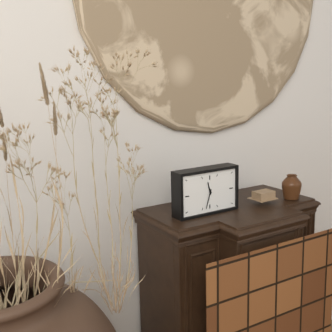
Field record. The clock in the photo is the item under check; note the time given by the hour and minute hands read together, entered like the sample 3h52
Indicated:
11h33
